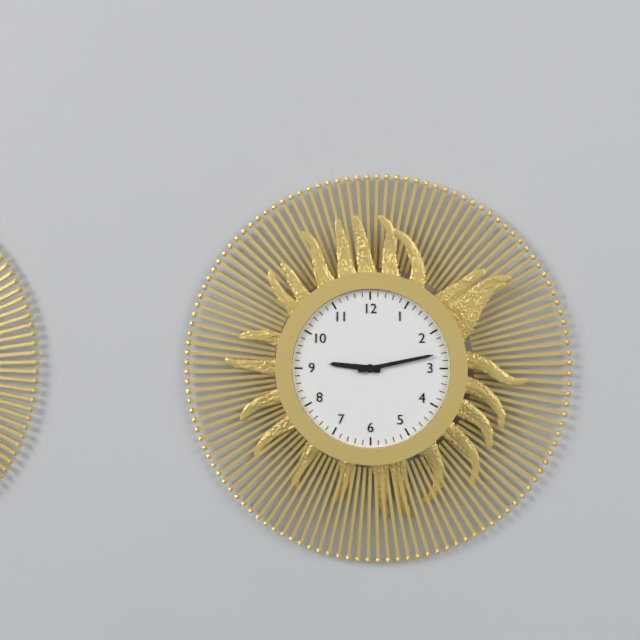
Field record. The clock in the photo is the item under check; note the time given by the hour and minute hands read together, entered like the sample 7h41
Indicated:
9h13
